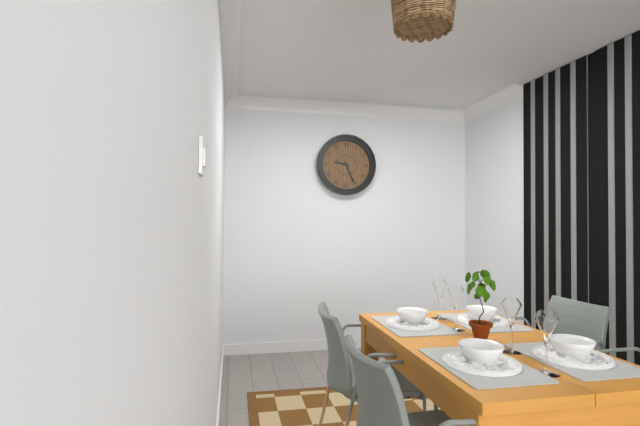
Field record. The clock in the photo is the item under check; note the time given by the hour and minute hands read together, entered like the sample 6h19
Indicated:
9h26
